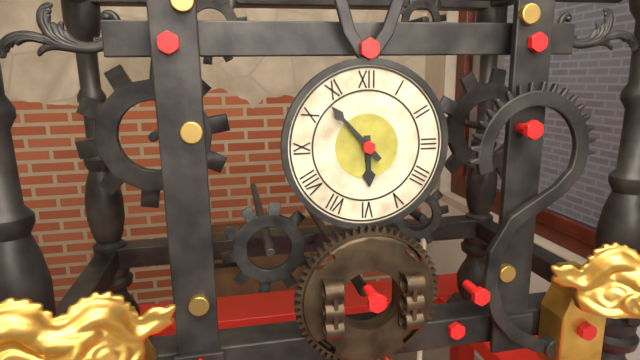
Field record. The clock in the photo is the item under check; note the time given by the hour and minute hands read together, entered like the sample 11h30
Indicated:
5h53
